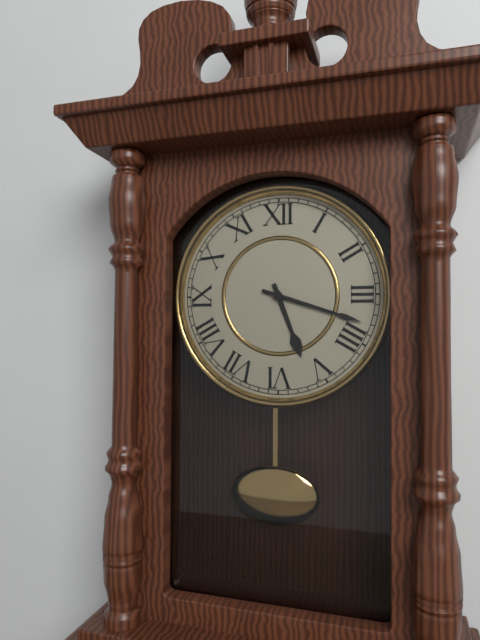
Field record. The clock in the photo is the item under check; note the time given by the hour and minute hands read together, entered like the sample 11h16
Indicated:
5h18
